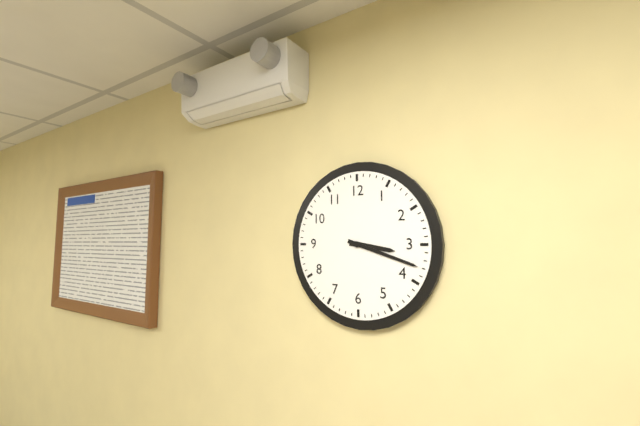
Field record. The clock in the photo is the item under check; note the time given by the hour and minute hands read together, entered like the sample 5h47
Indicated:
3h18
